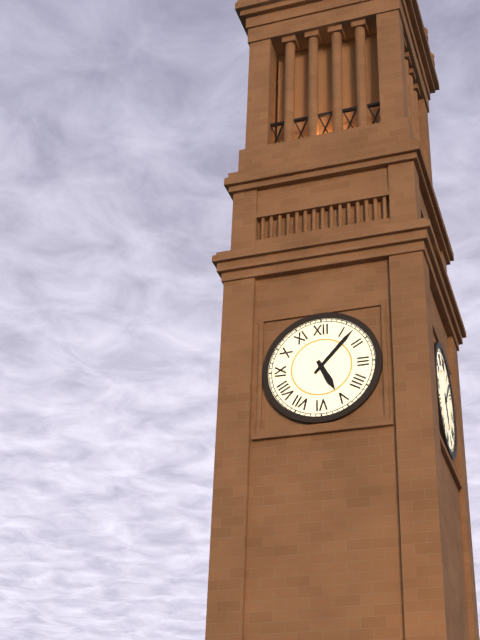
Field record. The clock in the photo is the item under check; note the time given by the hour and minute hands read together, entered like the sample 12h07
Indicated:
5h07
